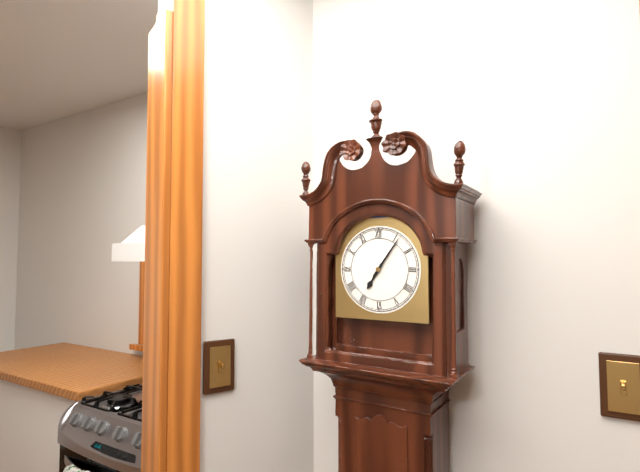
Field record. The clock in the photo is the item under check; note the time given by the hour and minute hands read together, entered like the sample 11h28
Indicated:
7h06
